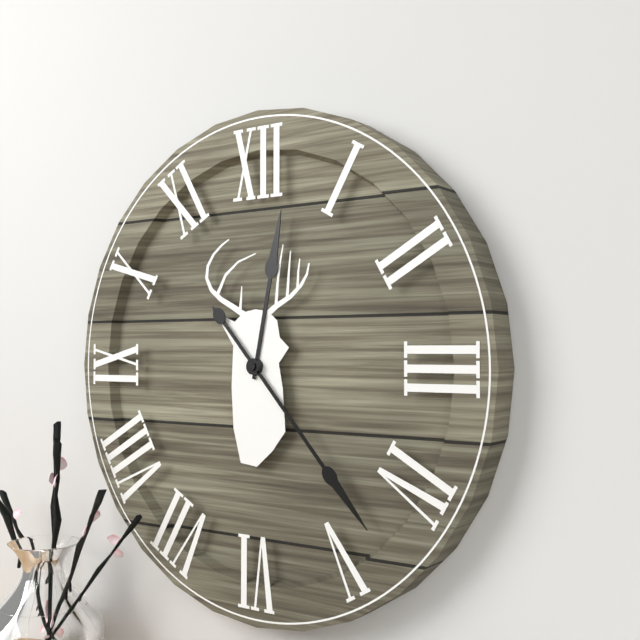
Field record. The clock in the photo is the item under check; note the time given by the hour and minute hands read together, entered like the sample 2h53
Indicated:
12h23
